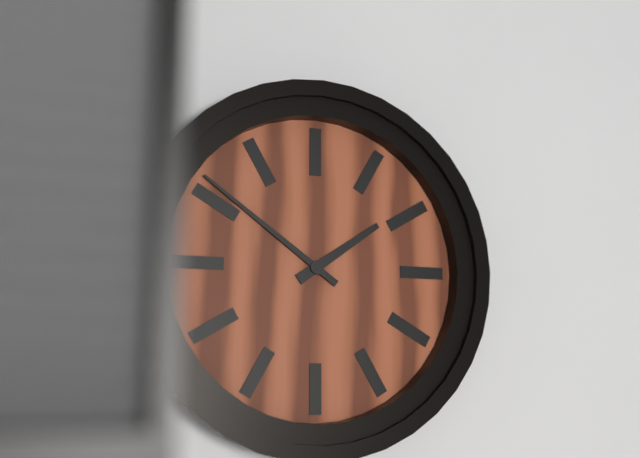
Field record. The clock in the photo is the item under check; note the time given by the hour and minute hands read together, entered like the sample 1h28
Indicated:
1h51
